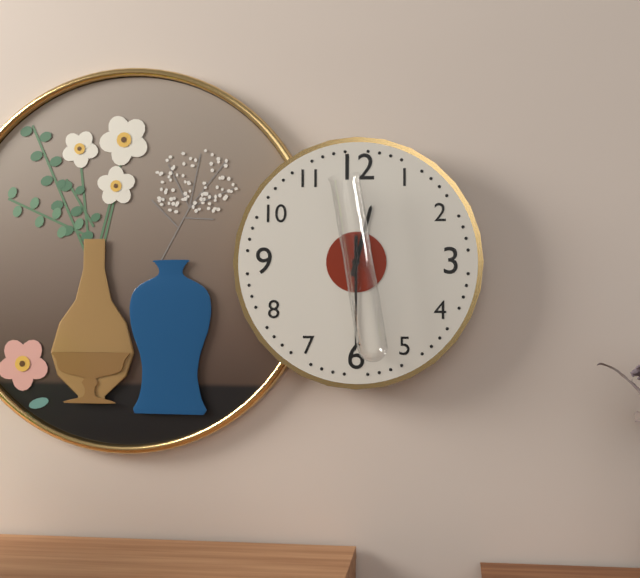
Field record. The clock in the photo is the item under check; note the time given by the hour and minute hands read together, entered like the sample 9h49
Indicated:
12h30
